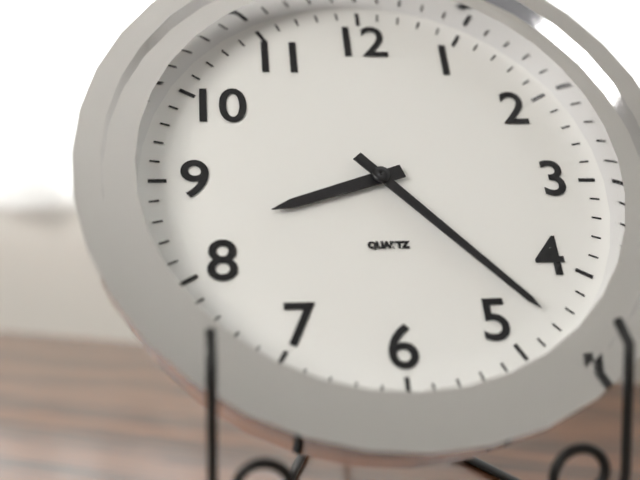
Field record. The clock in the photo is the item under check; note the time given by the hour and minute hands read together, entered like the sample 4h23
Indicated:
8h23
